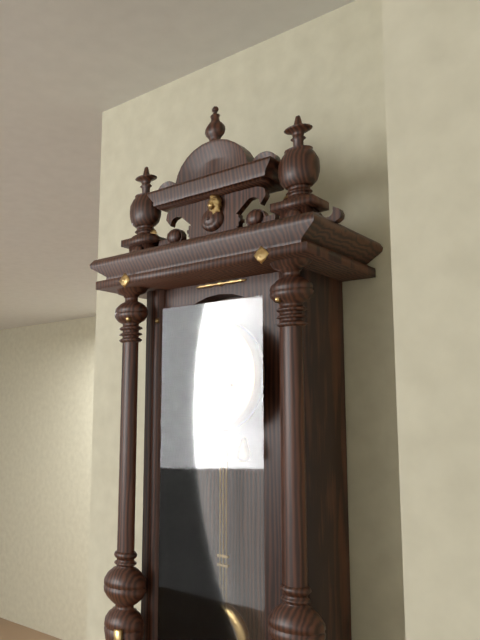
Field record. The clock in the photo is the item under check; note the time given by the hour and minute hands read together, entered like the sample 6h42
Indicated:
2h00
